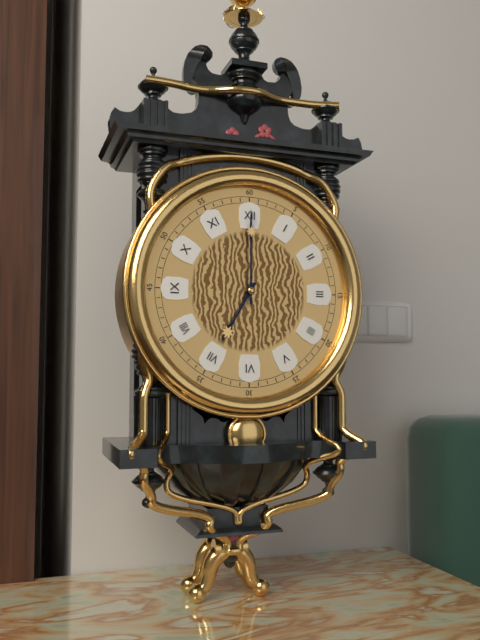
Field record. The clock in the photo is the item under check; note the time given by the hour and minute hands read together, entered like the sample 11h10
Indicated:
7h00
